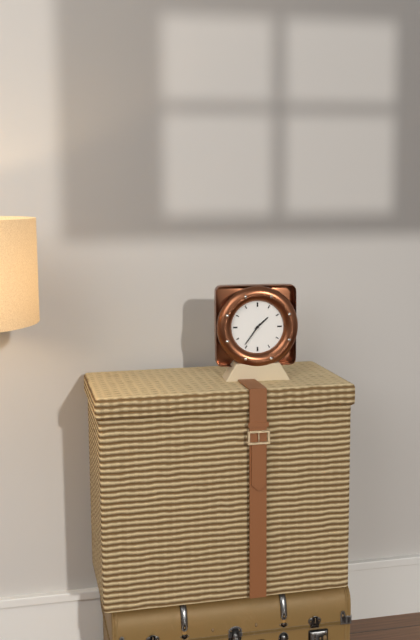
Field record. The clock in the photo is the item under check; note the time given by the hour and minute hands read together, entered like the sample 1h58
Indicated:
1h36
